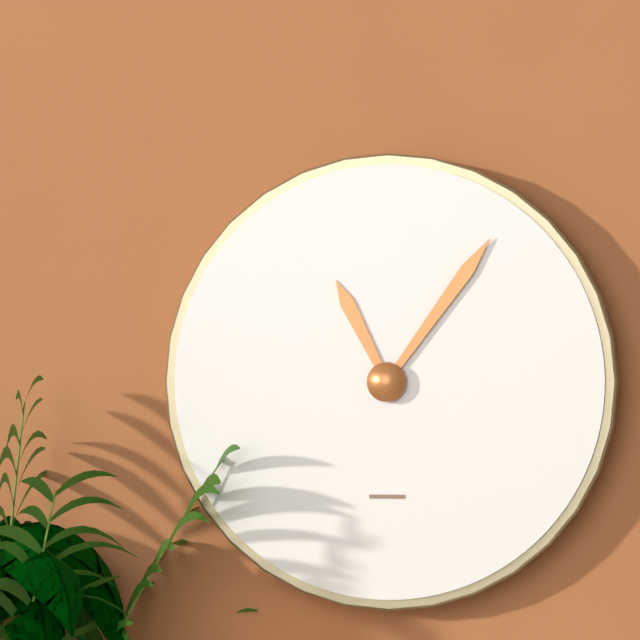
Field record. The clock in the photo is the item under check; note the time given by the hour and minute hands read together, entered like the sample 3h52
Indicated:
11h06
